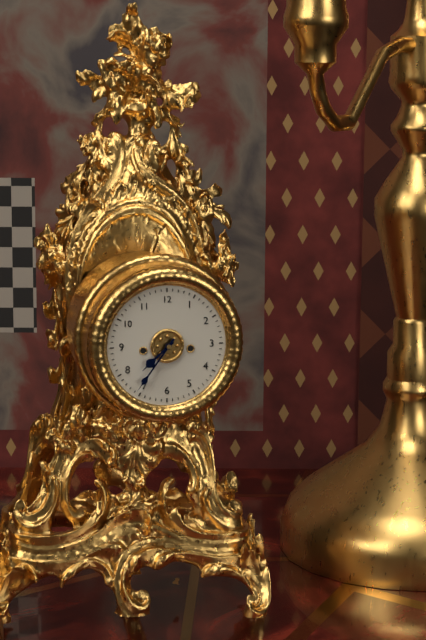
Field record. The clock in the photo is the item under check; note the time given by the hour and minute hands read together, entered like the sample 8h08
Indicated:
7h36
